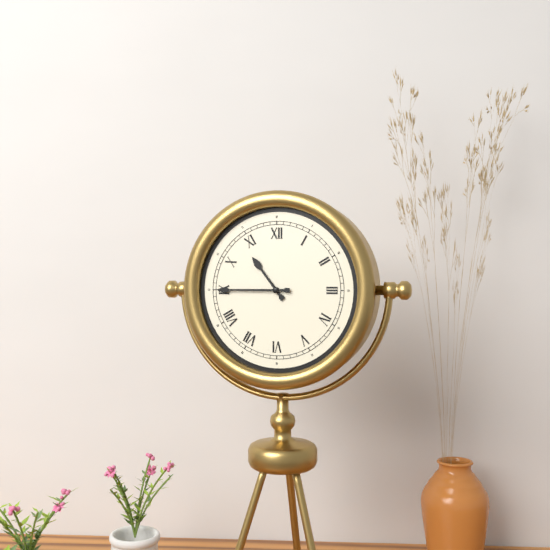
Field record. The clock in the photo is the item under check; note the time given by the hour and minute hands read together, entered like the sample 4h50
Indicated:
10h45
